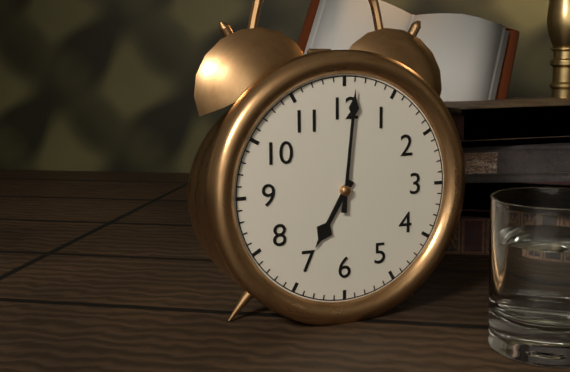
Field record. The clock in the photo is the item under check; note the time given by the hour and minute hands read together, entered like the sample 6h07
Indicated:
7h01
